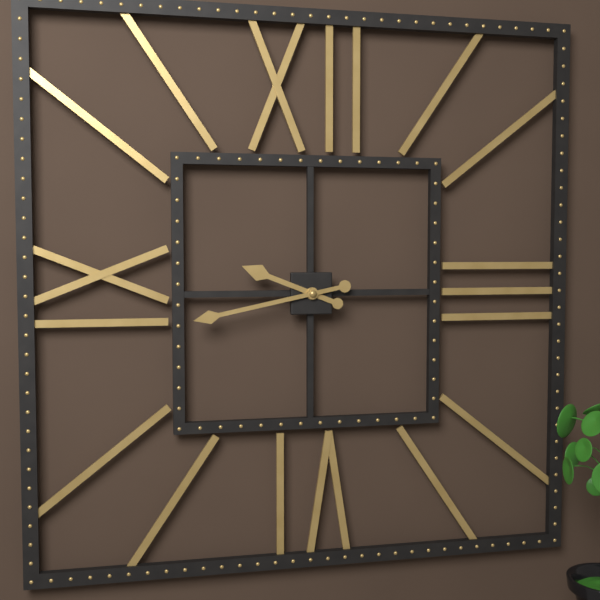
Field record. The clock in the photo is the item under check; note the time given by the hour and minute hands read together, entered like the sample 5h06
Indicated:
9h43
